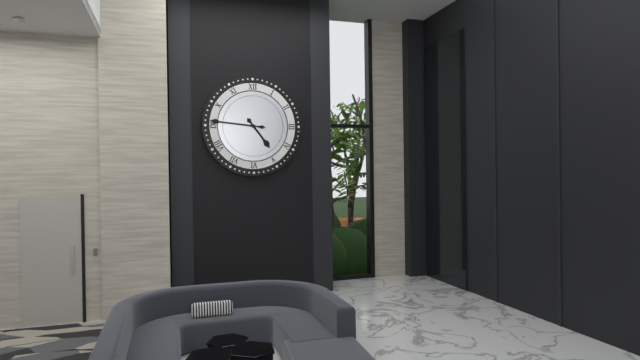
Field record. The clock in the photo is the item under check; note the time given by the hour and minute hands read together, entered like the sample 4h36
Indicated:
4h46
